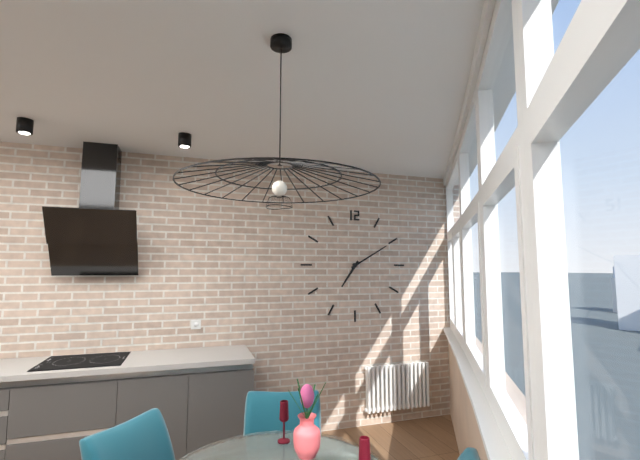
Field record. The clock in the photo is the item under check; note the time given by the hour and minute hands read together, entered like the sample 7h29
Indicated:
7h10
